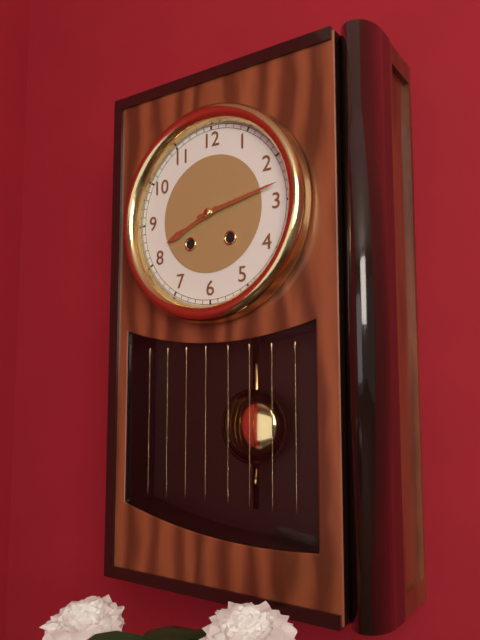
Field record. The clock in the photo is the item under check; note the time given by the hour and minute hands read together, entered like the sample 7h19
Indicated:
8h13
